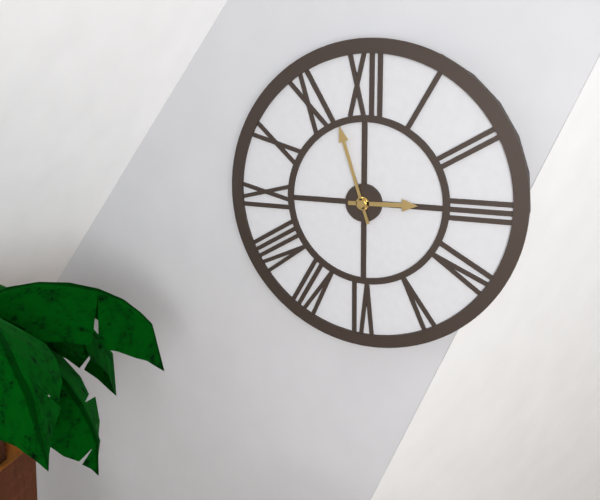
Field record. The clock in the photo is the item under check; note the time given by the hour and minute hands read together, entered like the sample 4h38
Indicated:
2h57
